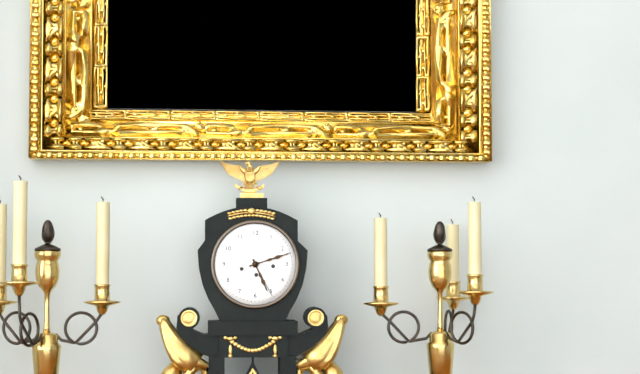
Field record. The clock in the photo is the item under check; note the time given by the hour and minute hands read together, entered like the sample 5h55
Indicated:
5h12
